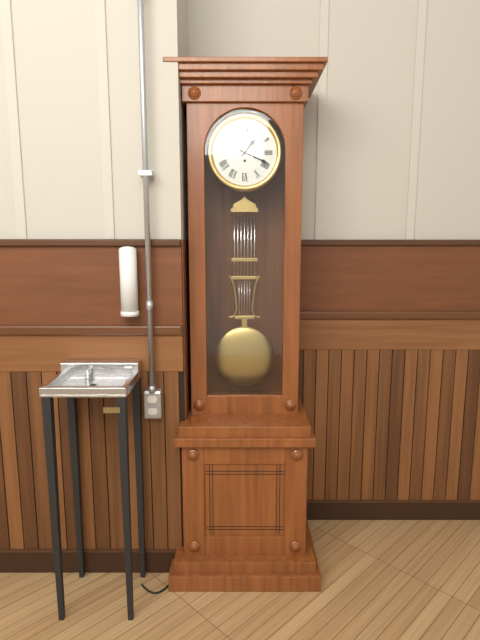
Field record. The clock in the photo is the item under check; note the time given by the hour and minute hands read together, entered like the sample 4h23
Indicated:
1h19
